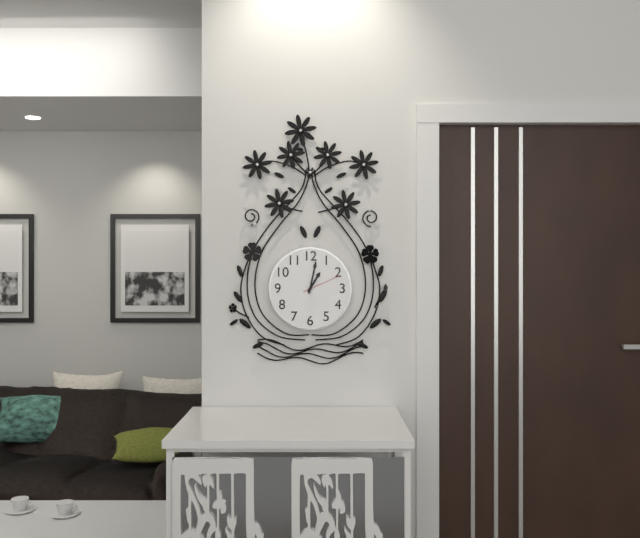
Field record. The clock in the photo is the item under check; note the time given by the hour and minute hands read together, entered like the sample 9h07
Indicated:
1h02
